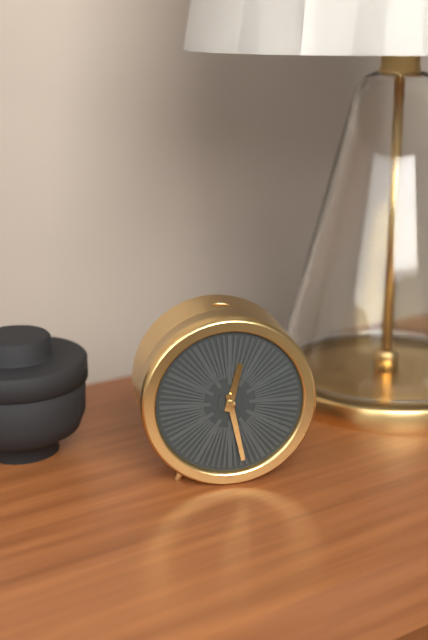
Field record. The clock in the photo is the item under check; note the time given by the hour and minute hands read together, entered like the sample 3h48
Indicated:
12h28
